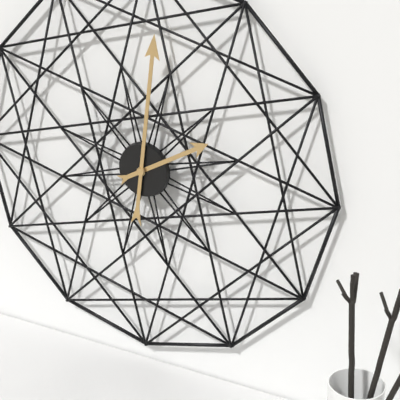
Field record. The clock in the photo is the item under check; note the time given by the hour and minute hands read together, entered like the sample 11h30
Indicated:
2h01
